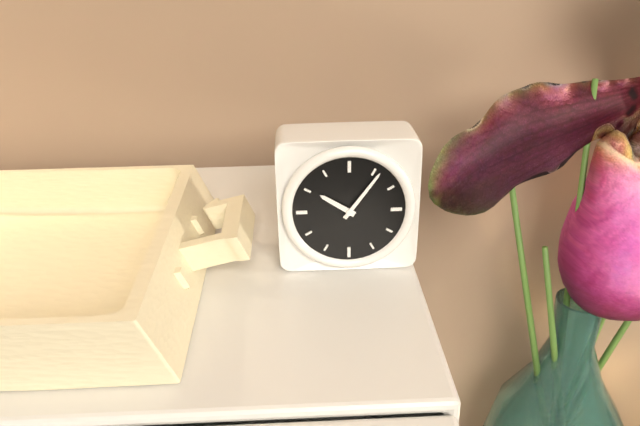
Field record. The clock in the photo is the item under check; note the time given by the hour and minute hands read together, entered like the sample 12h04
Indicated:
10h06
